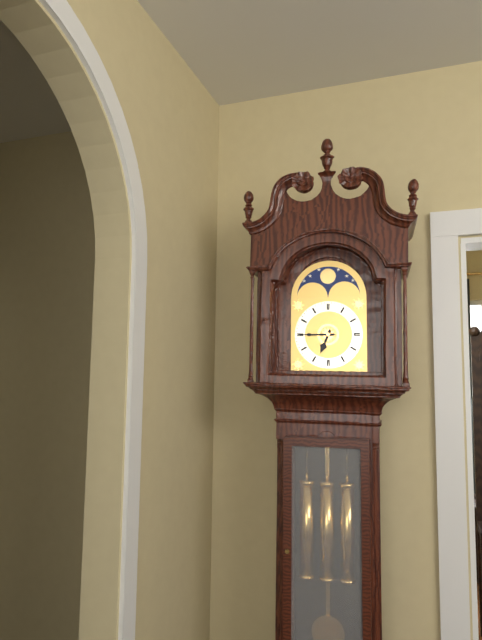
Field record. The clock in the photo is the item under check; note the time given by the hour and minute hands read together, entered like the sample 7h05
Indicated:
6h45
